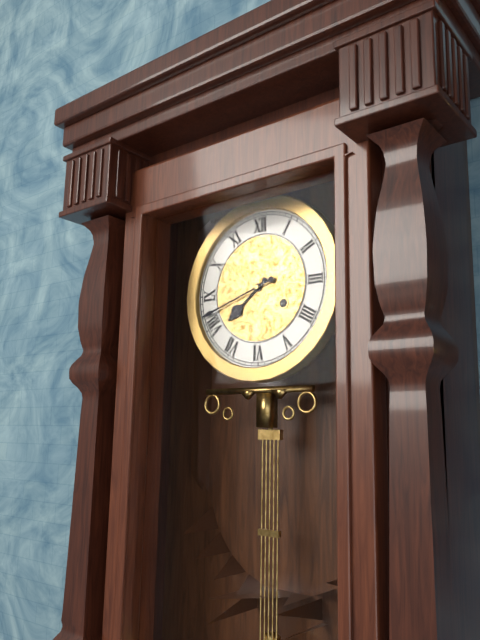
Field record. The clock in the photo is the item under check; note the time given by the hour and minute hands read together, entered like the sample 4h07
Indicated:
7h42
